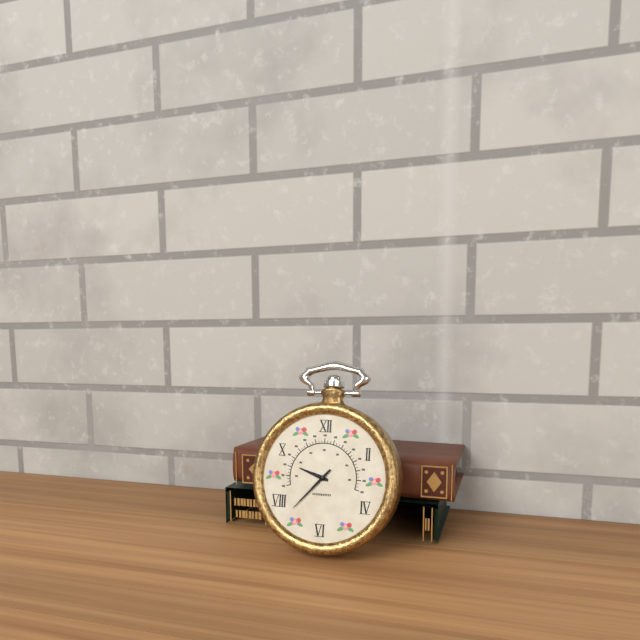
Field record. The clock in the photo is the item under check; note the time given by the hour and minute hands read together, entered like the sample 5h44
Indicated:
9h37
